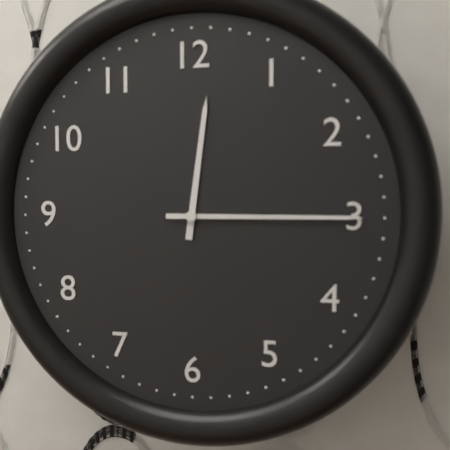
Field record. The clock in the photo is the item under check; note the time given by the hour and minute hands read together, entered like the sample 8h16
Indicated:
12h15
